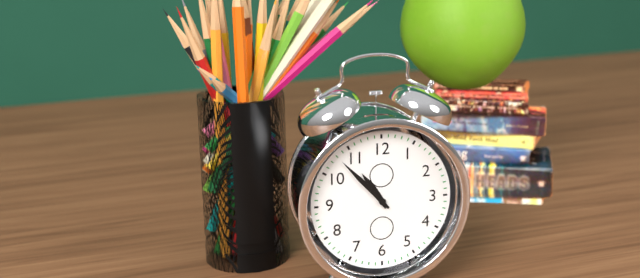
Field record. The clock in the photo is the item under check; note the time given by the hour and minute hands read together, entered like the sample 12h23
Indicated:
10h53
